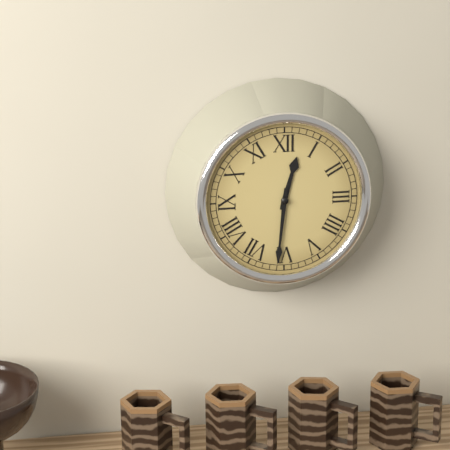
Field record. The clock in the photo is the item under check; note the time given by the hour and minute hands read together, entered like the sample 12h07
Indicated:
12h31
